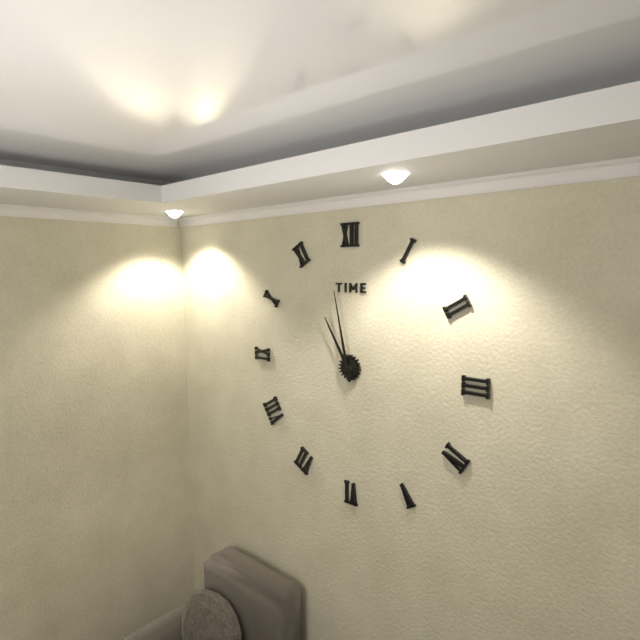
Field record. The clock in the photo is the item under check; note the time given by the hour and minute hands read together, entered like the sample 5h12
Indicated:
10h58
